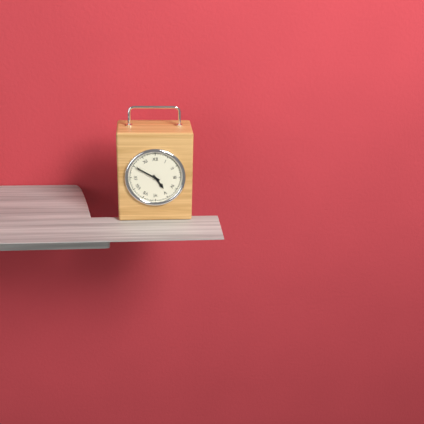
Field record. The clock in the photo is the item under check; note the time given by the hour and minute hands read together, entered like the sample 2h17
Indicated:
4h50
